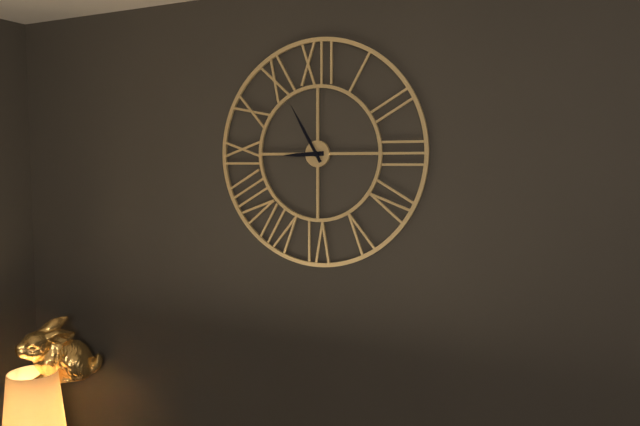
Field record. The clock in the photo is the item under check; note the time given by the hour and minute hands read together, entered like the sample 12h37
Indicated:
8h55
